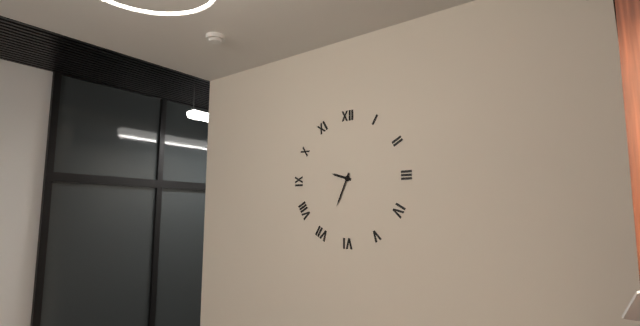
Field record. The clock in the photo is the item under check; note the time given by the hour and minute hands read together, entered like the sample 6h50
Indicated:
9h34
